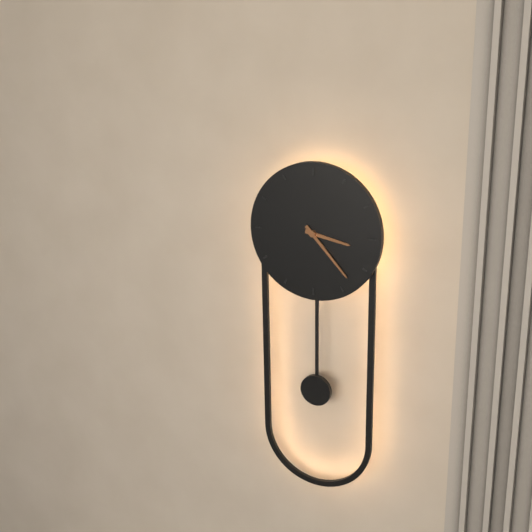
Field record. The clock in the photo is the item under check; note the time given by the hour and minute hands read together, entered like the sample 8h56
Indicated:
3h23
